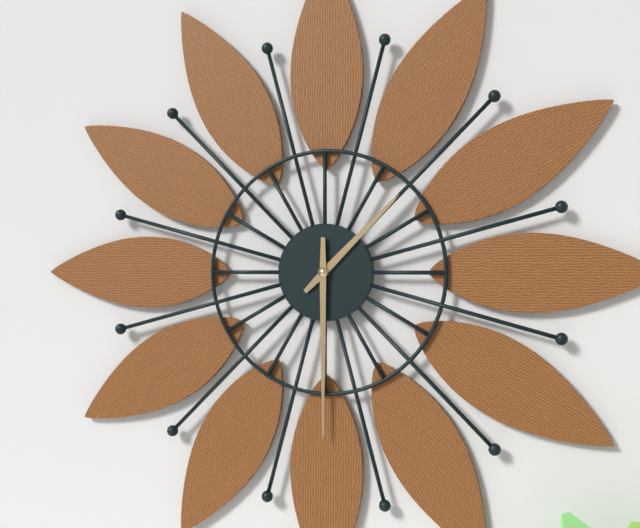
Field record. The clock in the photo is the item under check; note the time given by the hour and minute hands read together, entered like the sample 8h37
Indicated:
1h30
